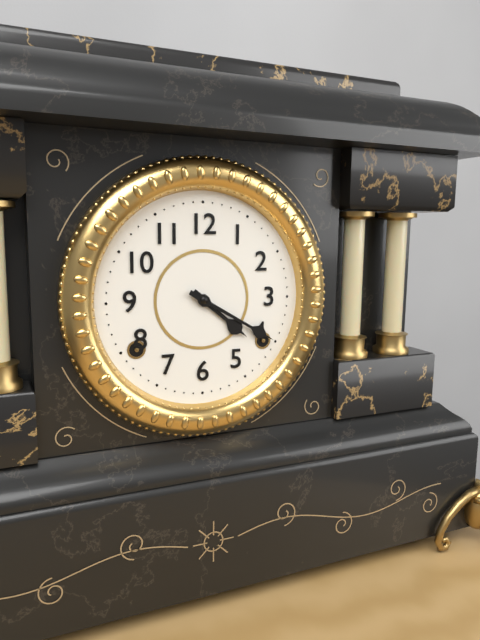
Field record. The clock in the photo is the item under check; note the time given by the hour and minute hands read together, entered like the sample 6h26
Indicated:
4h20
